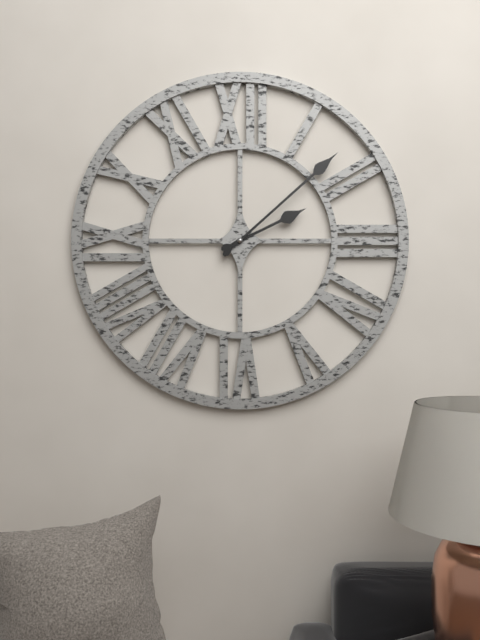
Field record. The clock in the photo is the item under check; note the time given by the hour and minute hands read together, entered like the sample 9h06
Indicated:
2h08
